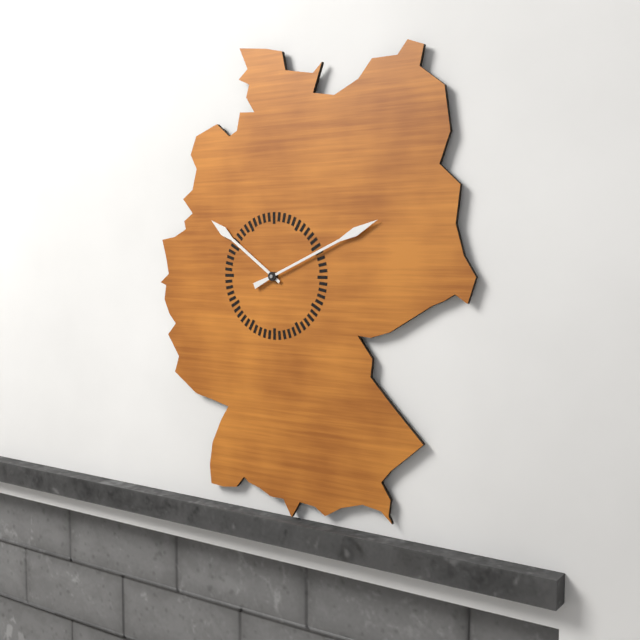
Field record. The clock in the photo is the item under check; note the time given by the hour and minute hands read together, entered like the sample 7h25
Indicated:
10h11
